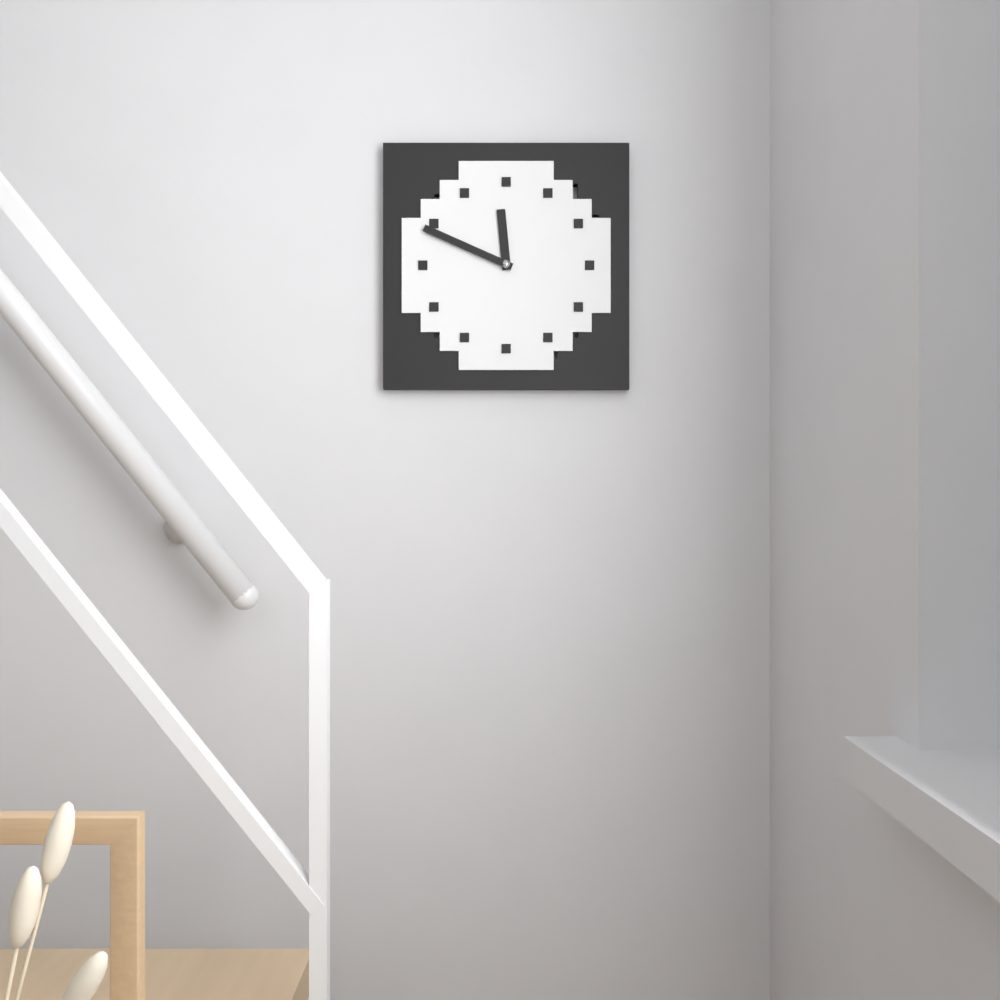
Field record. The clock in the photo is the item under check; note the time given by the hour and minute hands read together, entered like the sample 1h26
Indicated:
11h49
